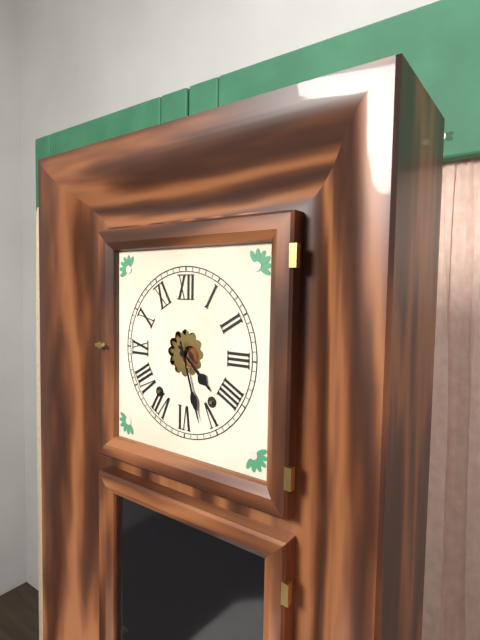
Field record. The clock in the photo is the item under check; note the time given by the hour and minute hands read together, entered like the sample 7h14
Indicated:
4h27
